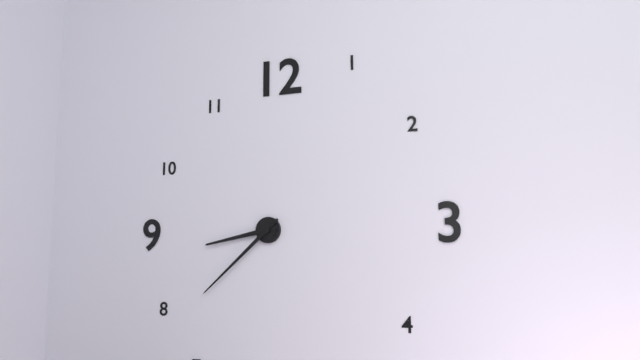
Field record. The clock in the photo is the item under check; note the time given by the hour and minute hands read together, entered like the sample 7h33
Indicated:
8h38
